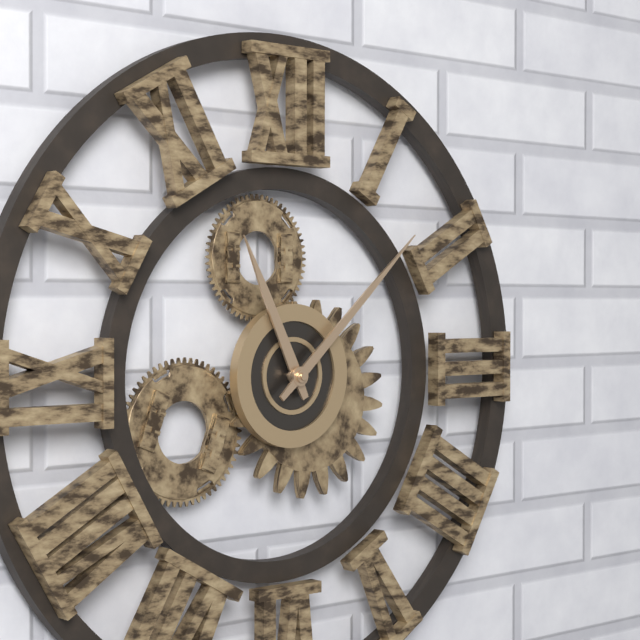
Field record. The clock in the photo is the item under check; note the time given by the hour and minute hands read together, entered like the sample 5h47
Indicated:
11h08
